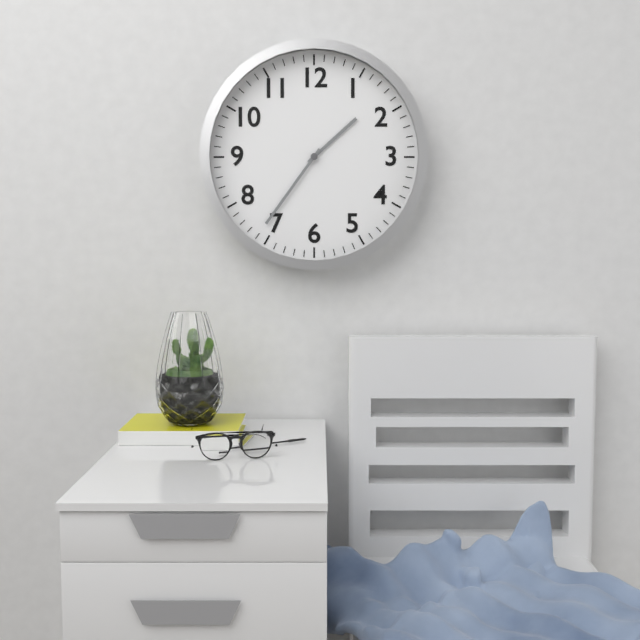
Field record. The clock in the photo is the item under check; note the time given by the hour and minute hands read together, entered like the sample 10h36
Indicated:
1h36
